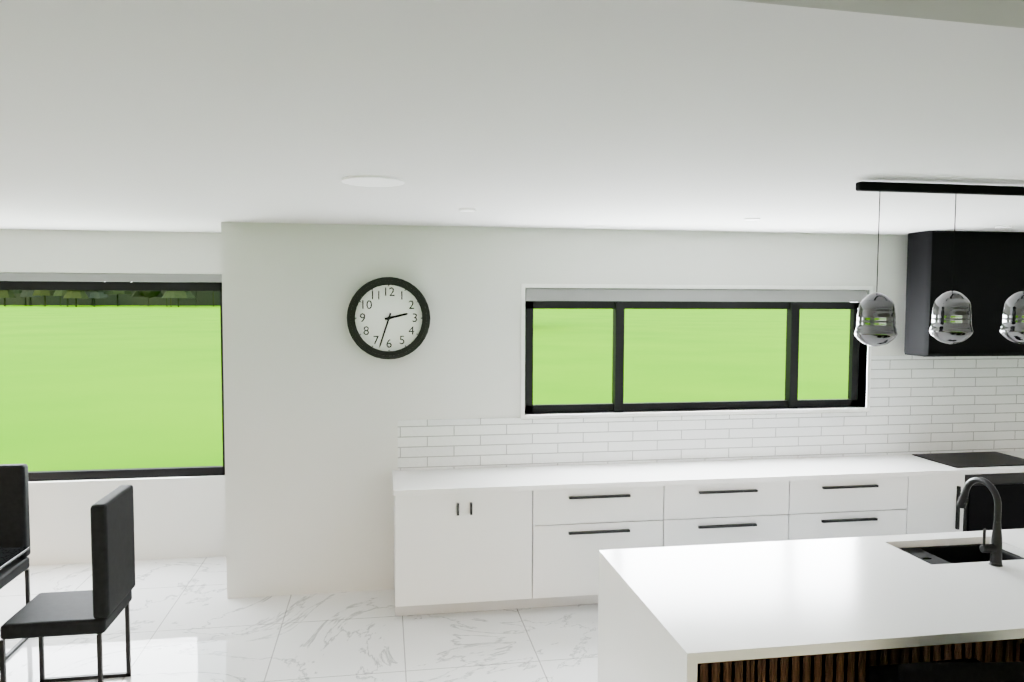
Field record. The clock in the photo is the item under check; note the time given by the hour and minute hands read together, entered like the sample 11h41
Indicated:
2h33
